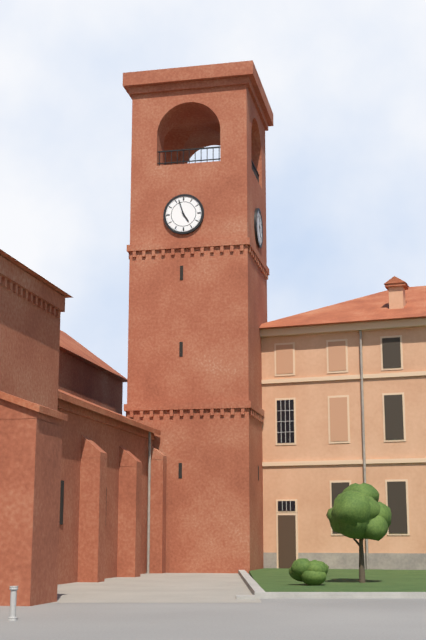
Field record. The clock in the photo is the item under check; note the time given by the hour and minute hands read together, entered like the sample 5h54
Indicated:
4h57
